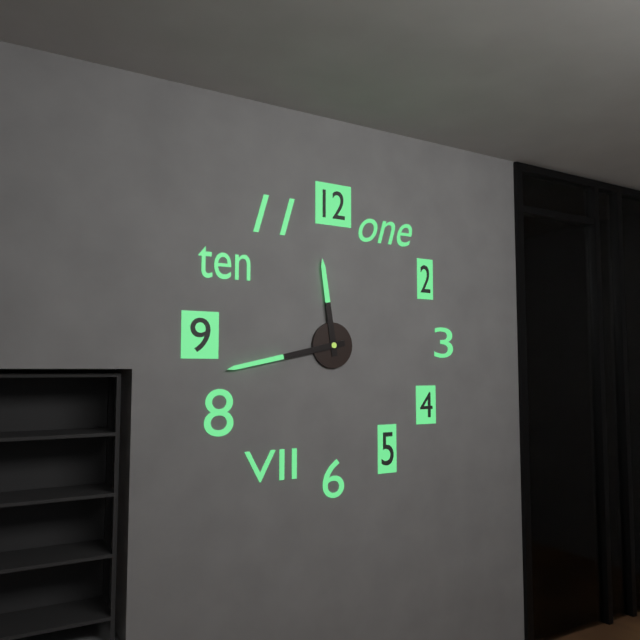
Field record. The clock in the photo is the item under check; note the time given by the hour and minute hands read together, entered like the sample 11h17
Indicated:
11h43
